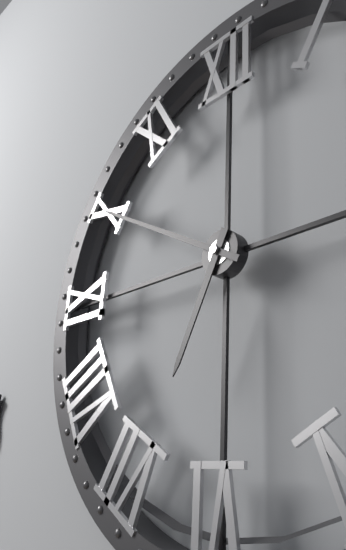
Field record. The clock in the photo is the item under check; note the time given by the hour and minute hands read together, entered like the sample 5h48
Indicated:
6h50
